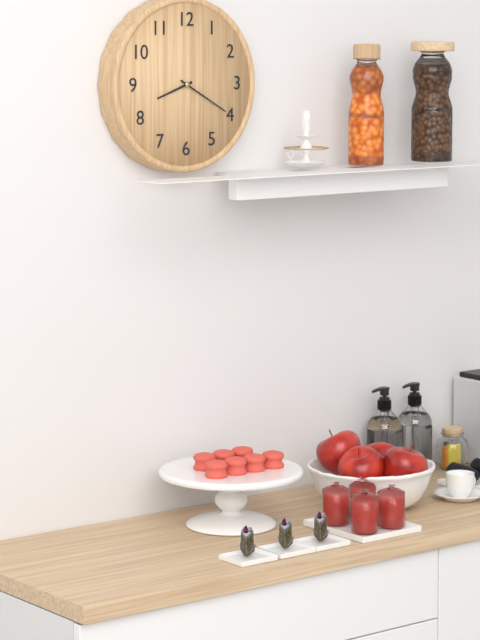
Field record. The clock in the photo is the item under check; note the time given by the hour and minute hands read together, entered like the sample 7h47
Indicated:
8h20
